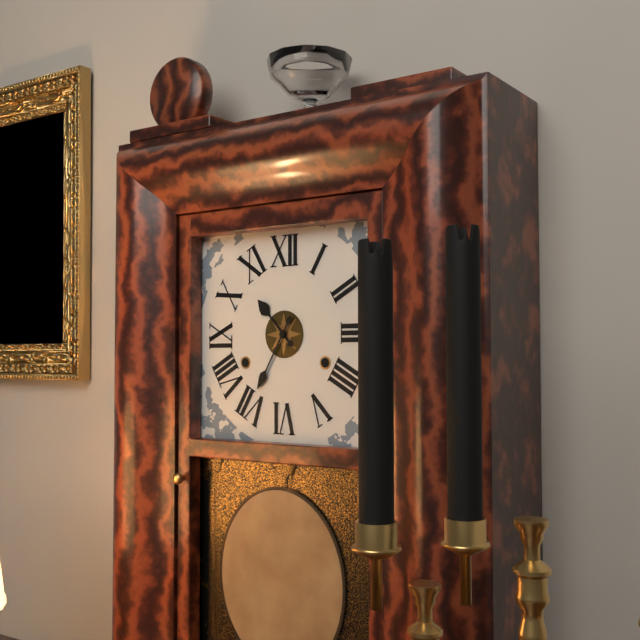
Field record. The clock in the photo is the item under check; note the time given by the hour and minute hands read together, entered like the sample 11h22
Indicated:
10h35
